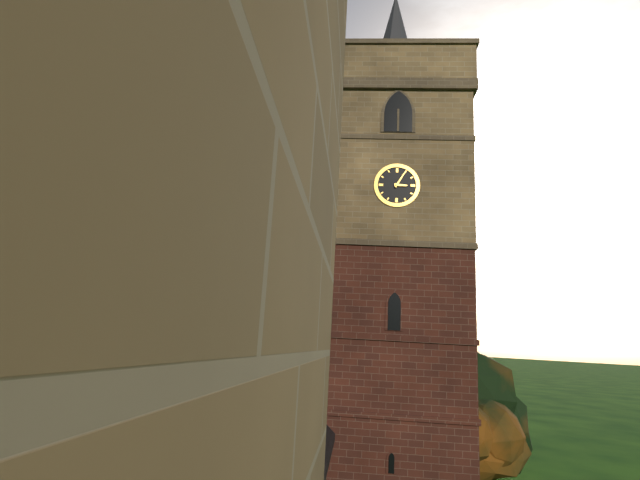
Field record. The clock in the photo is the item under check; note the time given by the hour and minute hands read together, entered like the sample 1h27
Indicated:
3h05
